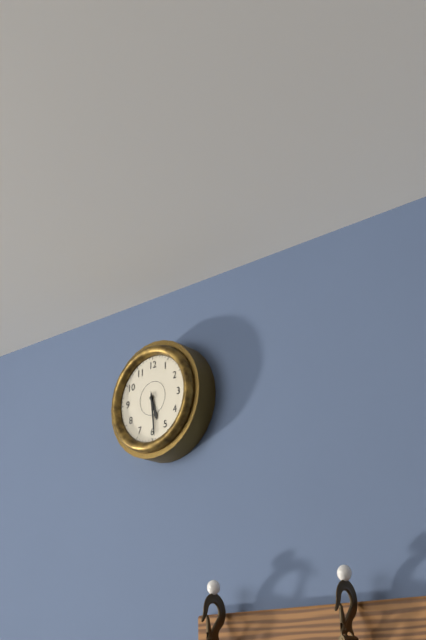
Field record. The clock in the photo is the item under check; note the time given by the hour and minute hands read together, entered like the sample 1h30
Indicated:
5h29
